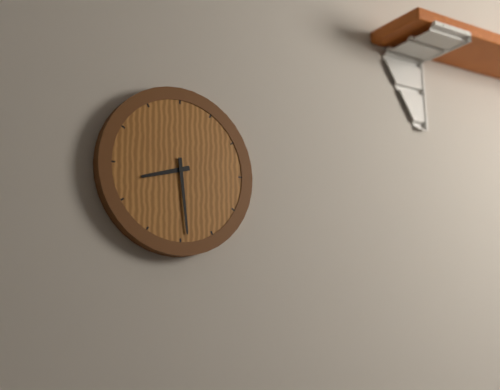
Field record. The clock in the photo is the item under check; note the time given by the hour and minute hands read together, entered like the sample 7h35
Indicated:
8h29
